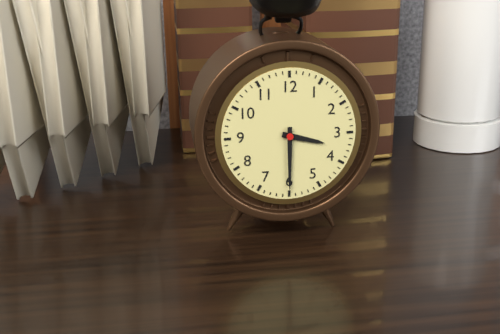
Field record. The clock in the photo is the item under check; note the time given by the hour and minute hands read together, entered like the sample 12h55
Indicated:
3h30
